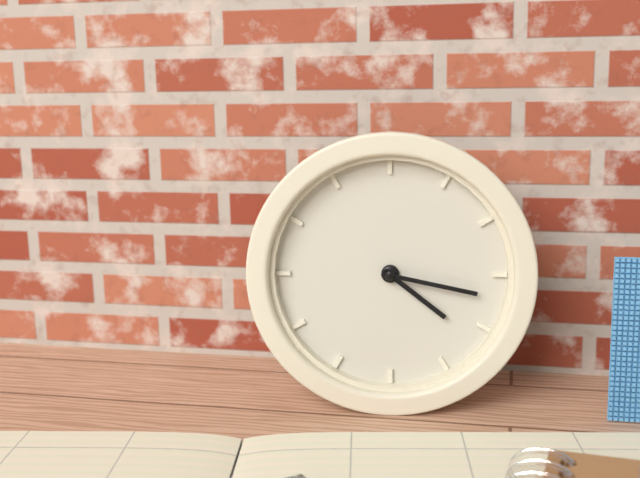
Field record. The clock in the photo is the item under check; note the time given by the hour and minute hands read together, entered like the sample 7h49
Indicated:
4h17
